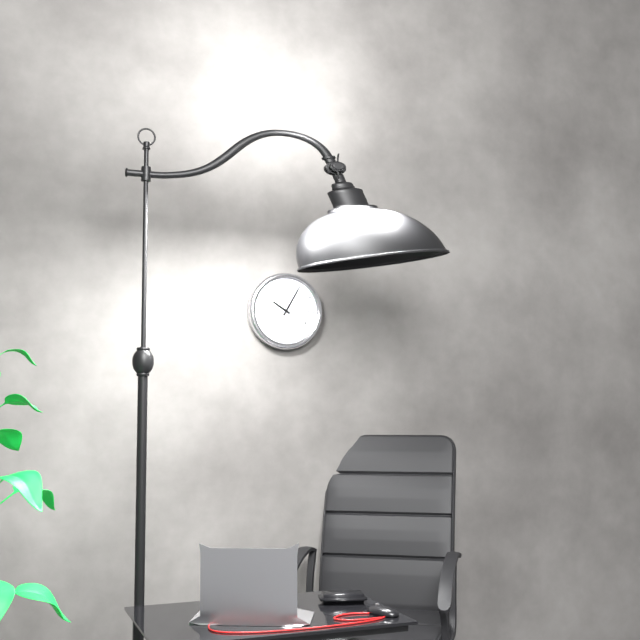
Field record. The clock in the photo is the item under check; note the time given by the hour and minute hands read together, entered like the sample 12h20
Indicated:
10h05
